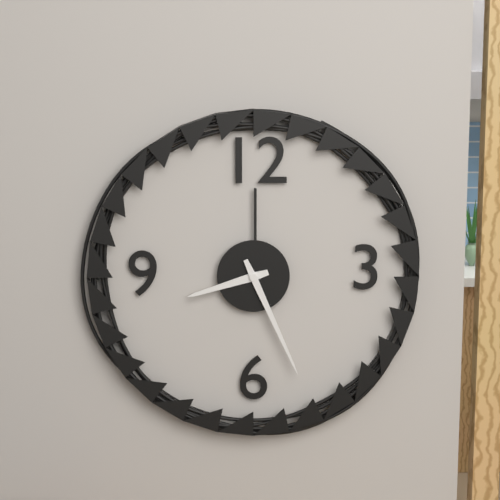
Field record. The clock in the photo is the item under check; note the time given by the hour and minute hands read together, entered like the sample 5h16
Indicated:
8h26
